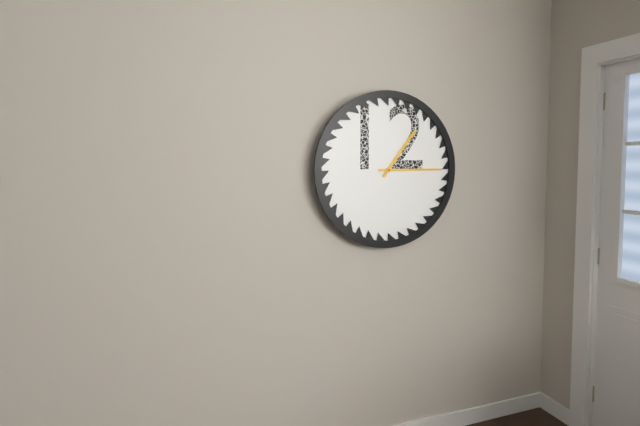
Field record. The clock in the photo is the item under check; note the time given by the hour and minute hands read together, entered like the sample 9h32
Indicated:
1h15
